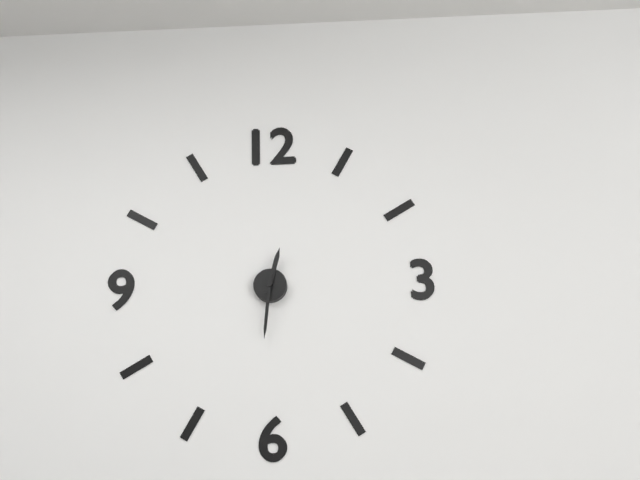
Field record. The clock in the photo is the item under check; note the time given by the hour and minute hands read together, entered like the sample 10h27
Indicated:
12h31
